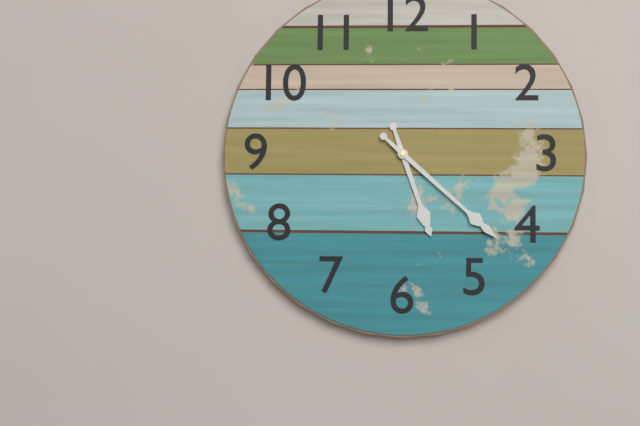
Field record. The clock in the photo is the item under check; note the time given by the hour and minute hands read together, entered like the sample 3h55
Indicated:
5h22
